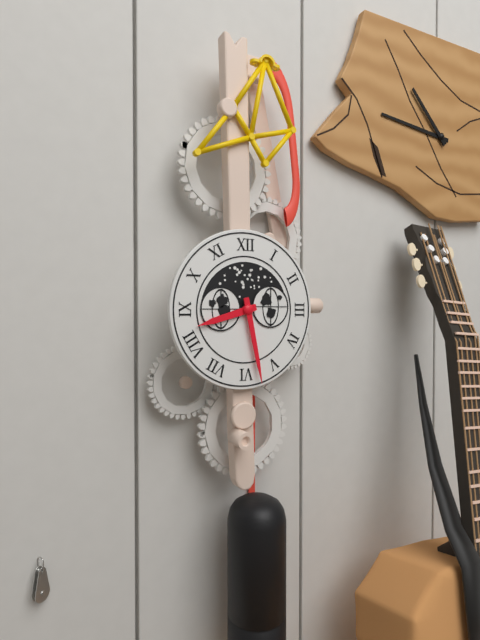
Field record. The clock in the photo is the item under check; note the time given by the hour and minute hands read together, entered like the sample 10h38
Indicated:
8h28
